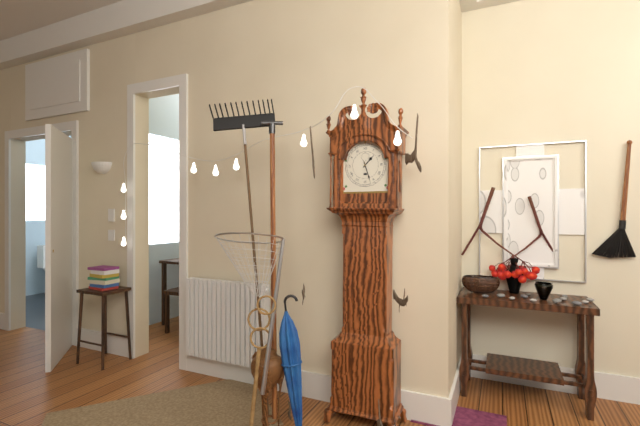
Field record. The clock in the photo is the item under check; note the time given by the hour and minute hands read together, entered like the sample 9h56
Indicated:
1h27
